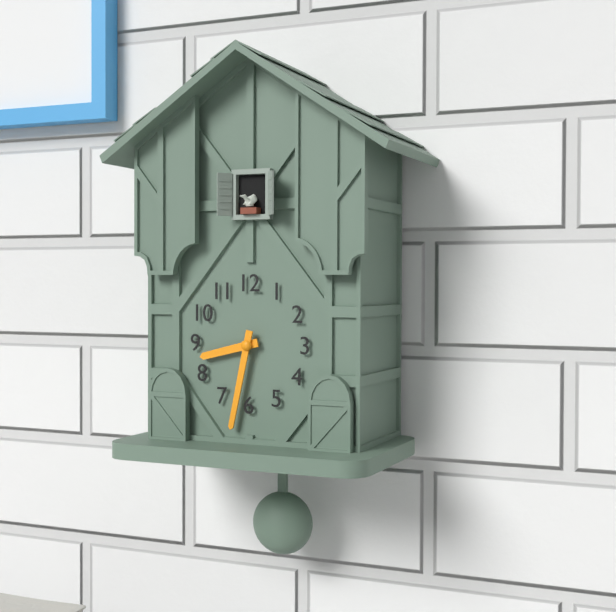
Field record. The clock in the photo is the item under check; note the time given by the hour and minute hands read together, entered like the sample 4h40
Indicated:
8h32
